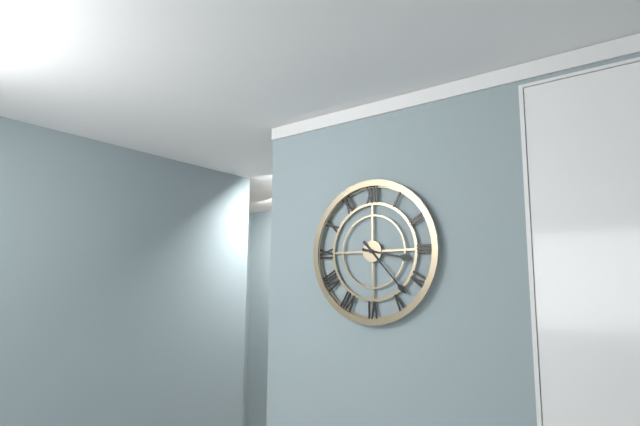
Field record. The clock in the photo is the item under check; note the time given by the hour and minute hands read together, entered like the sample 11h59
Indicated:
3h23
